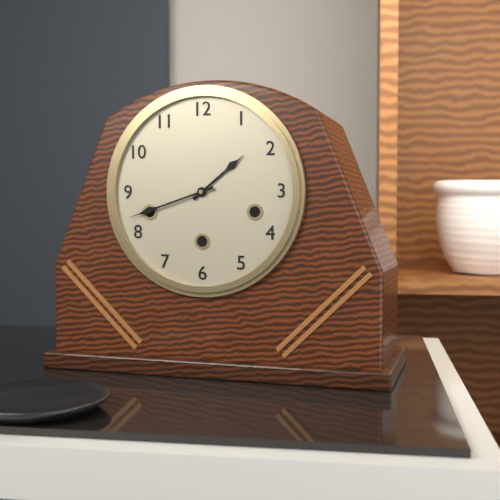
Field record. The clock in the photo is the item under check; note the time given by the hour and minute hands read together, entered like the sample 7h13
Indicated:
1h42
